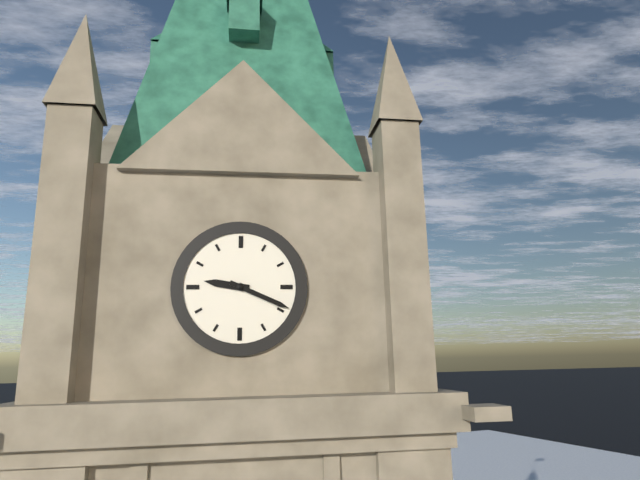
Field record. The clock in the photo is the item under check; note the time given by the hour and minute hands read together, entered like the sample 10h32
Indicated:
9h19
